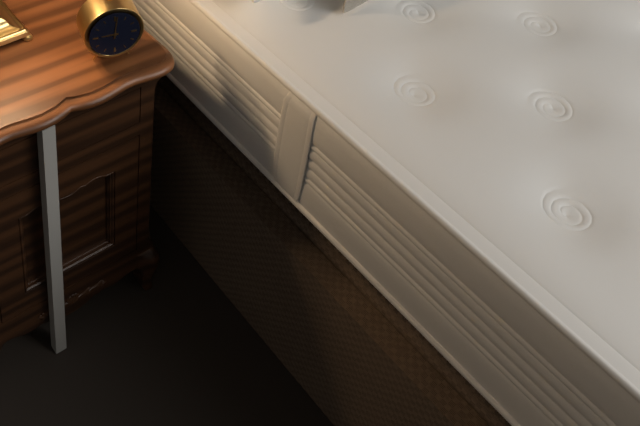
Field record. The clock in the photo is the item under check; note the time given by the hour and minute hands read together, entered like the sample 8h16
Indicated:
9h01
